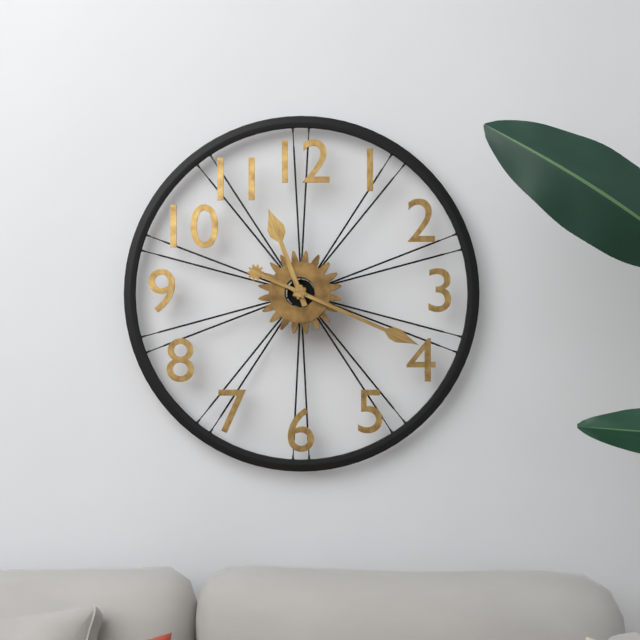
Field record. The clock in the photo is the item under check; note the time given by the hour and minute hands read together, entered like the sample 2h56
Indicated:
11h19
